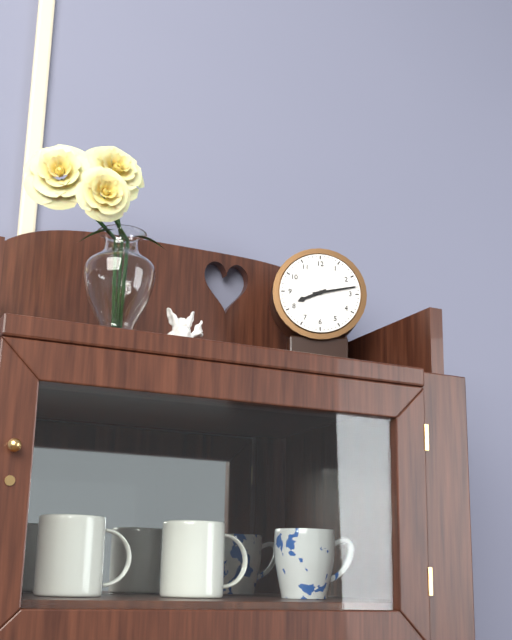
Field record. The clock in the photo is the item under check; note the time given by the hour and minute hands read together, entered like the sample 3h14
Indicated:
8h13
